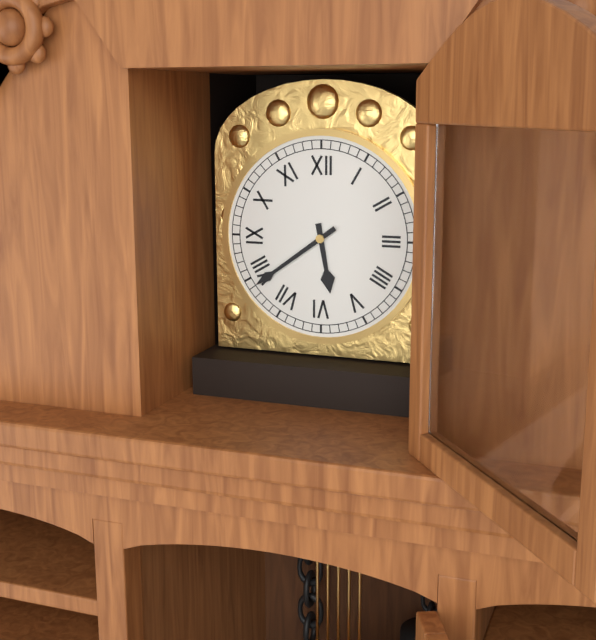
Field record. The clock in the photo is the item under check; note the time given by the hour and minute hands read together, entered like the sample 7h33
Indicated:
5h39
